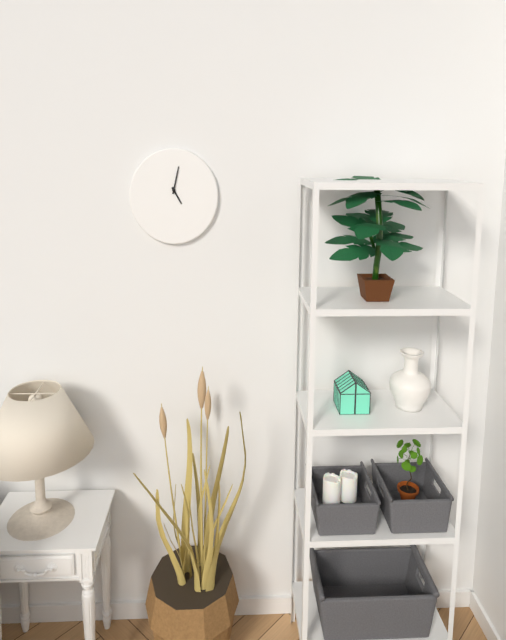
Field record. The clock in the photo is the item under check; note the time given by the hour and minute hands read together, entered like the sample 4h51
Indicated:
5h02
